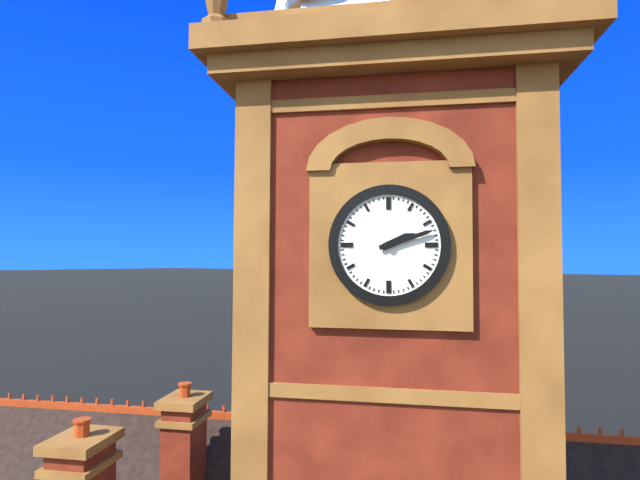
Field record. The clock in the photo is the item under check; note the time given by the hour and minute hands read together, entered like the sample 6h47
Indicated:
2h12
